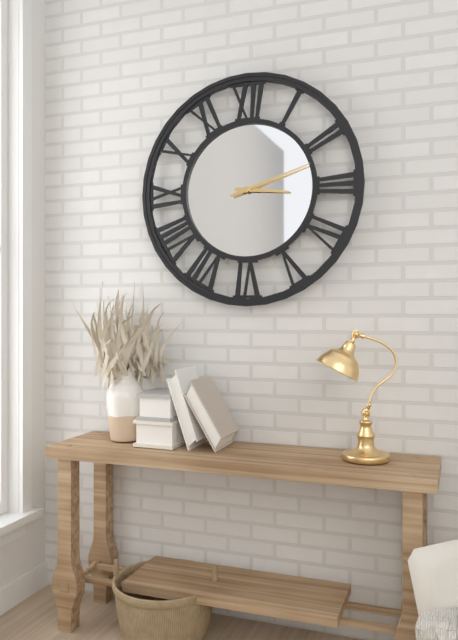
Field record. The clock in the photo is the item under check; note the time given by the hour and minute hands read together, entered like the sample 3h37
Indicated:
3h12
